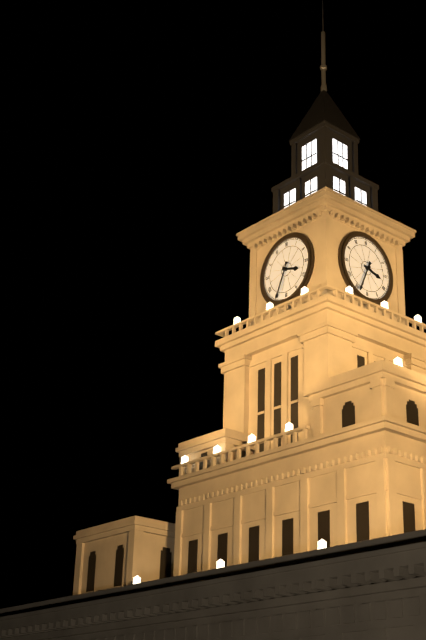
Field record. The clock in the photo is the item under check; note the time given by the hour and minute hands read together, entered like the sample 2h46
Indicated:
3h34
